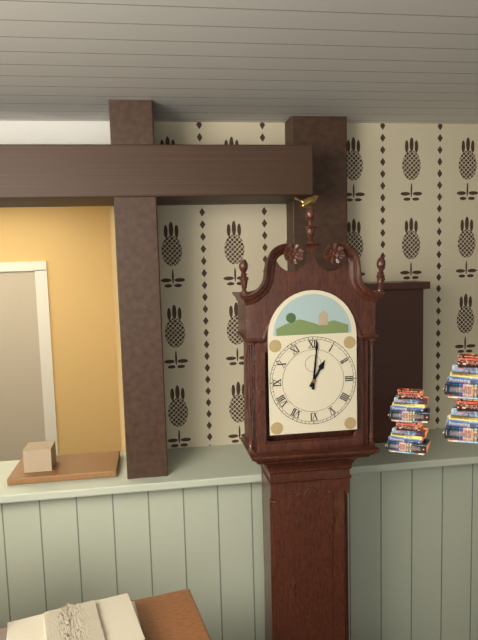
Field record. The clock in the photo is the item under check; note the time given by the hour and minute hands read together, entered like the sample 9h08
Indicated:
1h01
